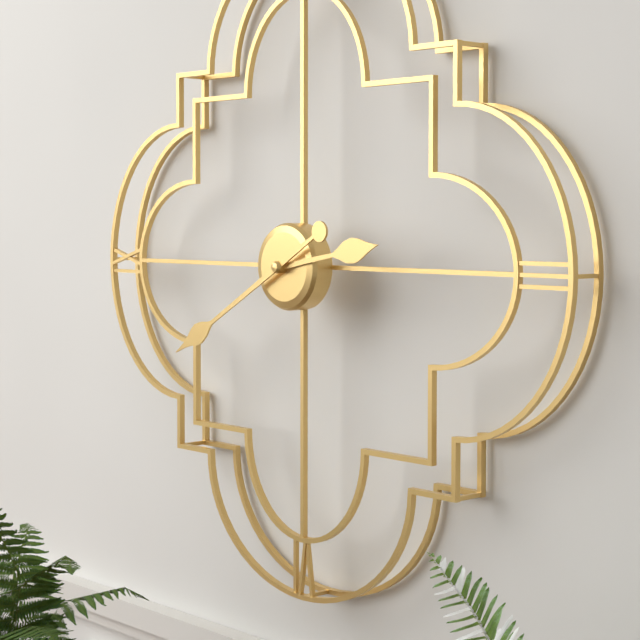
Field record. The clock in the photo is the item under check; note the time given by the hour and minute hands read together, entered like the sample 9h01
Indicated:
2h40
